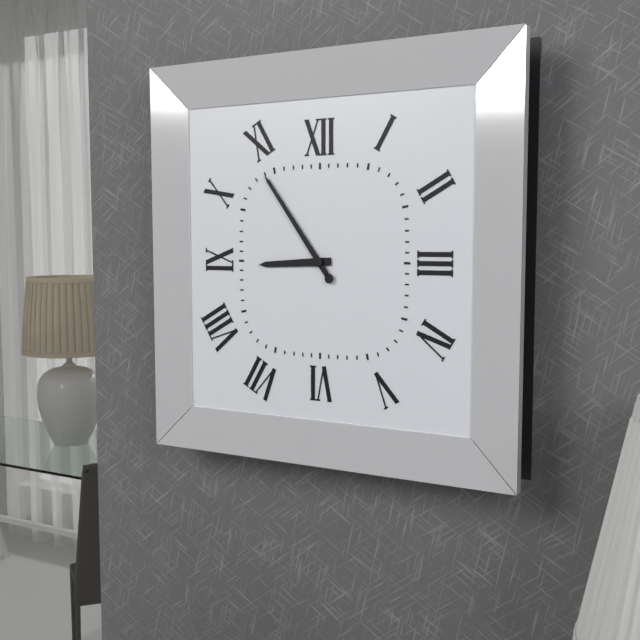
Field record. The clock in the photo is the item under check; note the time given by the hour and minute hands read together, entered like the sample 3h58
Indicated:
8h54
